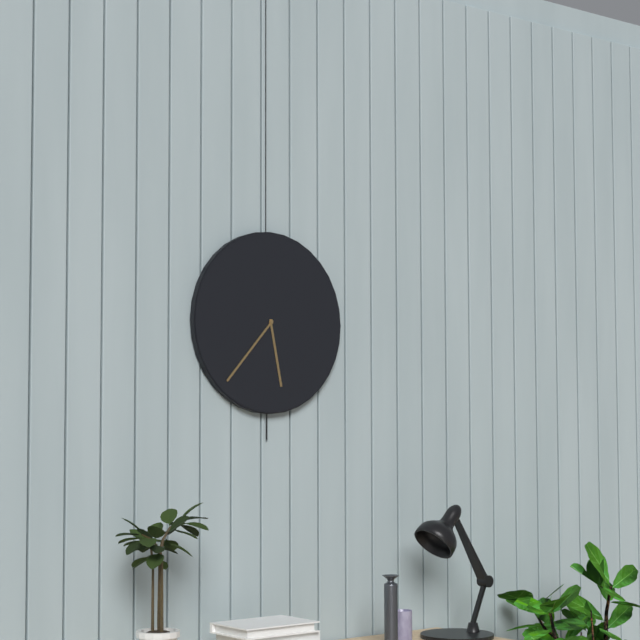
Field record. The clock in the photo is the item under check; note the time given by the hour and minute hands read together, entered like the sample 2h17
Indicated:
5h37
